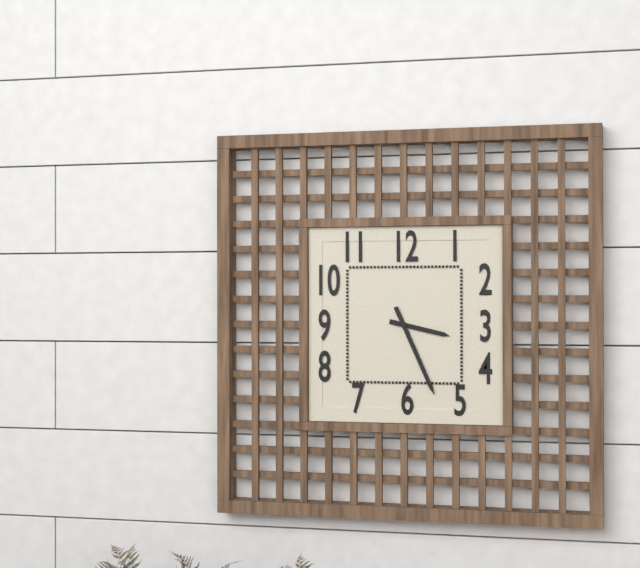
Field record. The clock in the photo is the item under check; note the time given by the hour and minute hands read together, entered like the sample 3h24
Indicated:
3h26
